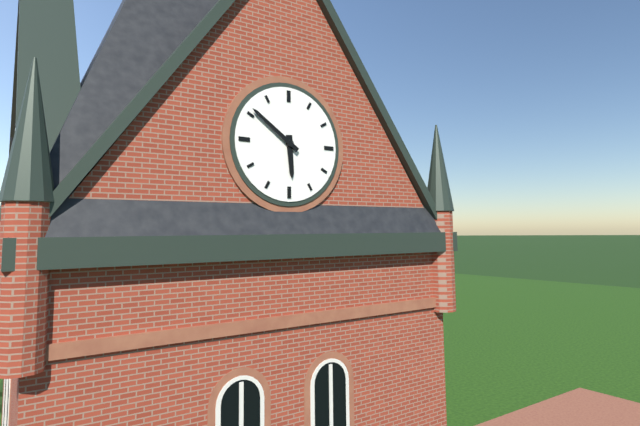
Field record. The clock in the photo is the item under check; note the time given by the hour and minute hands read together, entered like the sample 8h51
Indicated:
5h51
